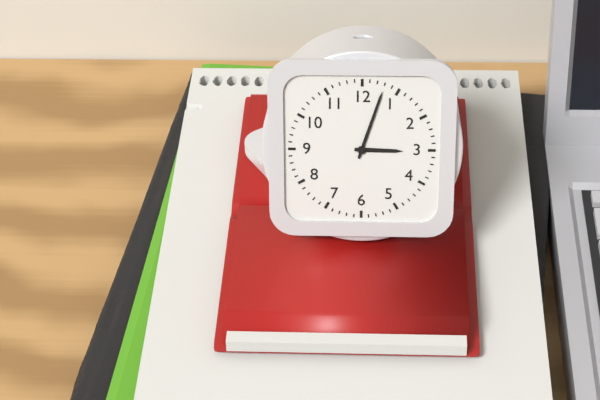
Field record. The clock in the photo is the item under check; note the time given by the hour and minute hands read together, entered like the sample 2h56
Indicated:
3h03
